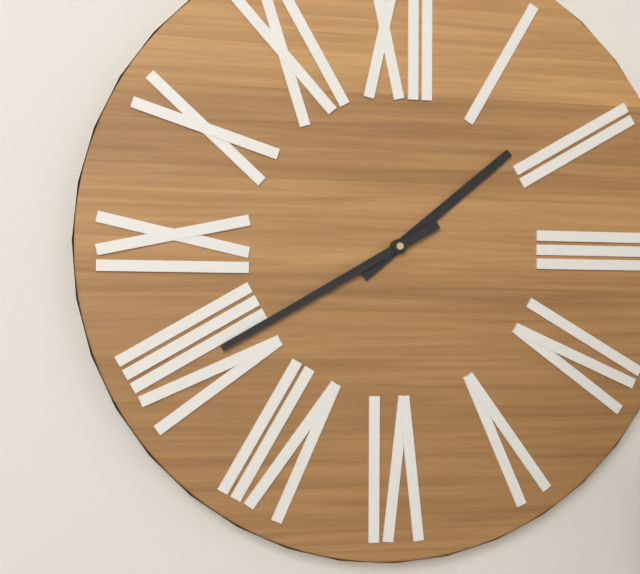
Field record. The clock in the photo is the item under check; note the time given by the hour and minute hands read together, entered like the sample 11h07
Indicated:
1h40
